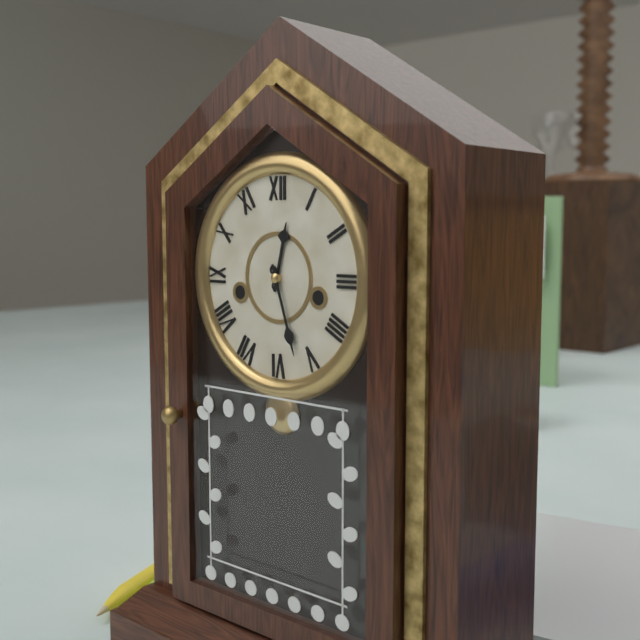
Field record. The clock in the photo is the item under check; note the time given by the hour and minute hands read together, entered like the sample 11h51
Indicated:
12h27
